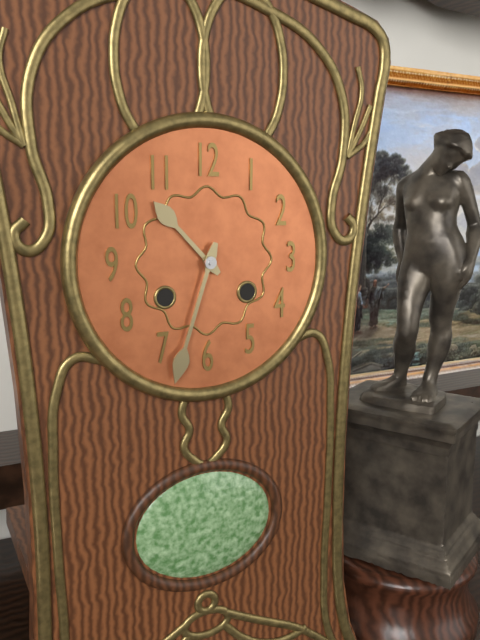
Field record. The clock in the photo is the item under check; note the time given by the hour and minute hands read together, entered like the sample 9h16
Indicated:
10h33
